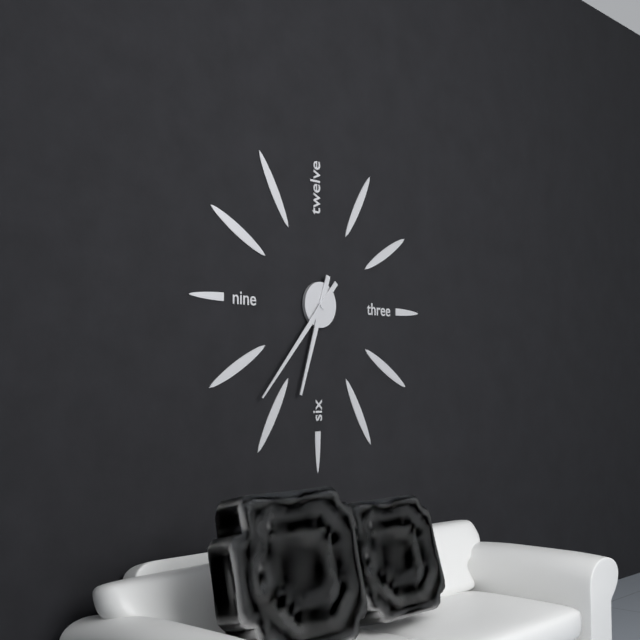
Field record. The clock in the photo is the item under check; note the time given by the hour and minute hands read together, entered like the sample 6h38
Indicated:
6h37
